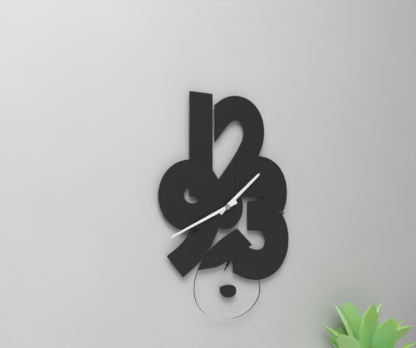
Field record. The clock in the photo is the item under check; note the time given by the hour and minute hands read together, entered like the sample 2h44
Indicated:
1h41
